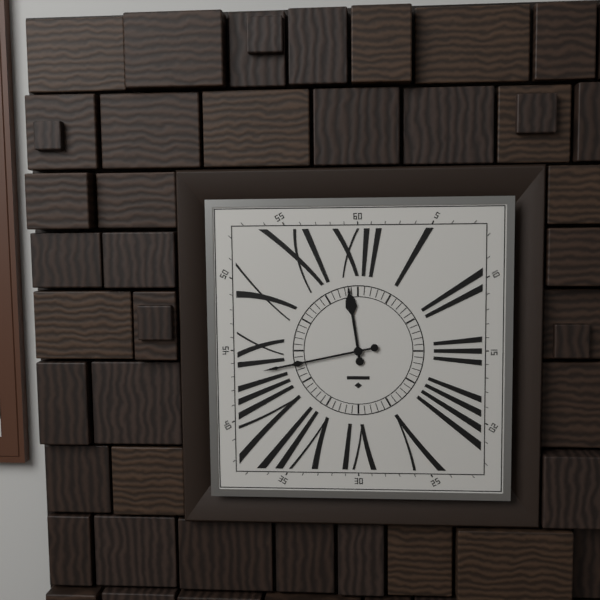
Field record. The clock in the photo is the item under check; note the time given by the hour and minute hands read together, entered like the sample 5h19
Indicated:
11h43
